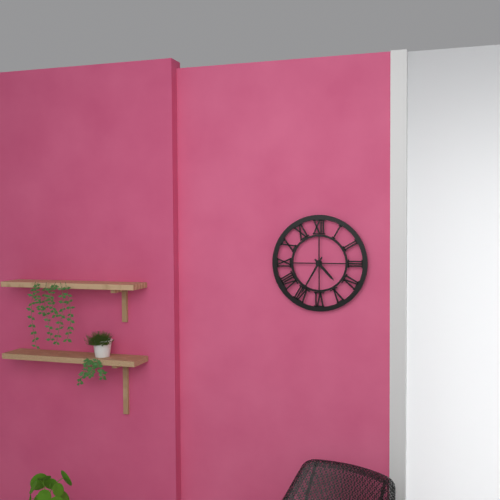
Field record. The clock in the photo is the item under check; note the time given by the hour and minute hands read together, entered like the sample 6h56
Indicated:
4h35
